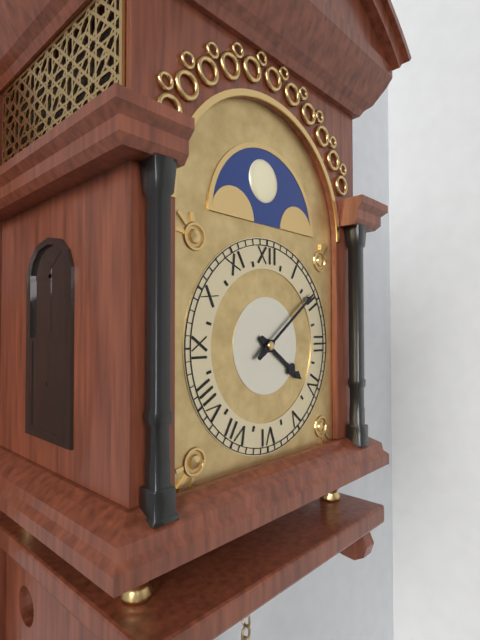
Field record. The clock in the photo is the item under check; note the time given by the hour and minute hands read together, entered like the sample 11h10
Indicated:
4h09
